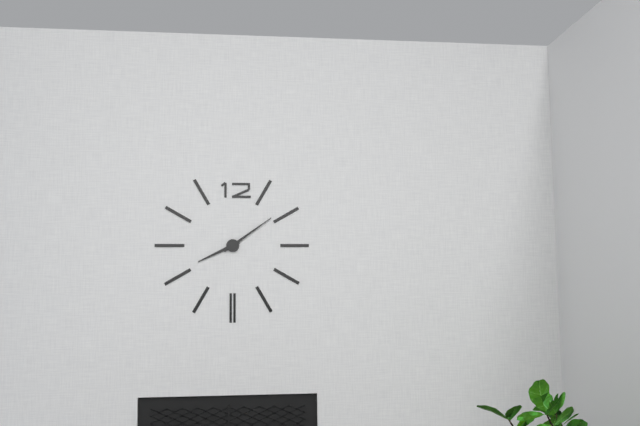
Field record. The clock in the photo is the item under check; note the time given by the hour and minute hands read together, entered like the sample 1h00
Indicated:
8h09
